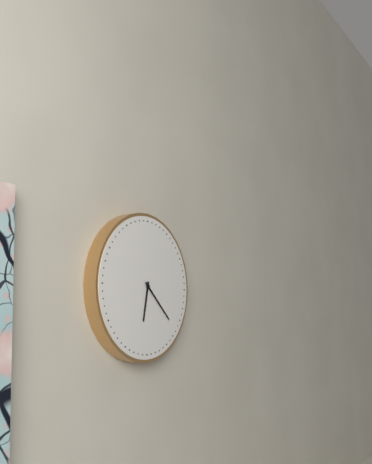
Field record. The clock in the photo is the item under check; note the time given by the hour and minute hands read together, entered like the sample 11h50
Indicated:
6h22
